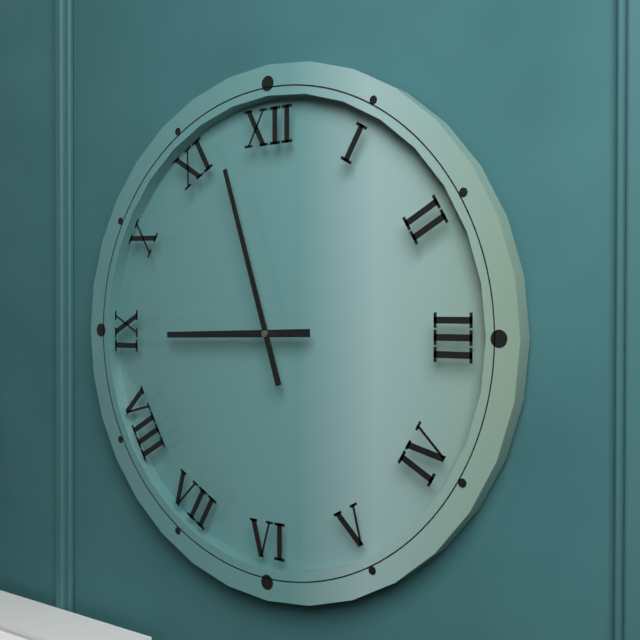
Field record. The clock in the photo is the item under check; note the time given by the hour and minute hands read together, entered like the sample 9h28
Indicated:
8h57
